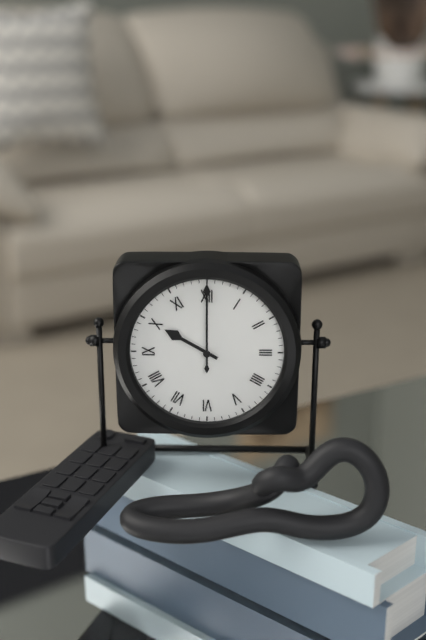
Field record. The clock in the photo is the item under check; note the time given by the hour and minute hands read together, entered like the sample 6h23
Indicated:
10h00
